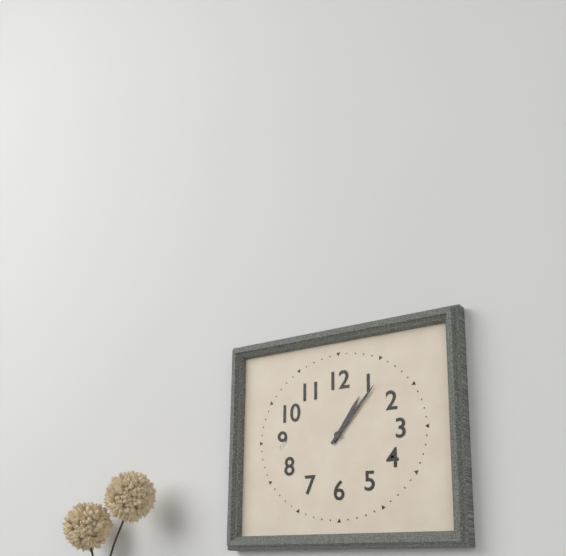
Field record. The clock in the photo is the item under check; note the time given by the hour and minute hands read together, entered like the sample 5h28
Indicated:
1h07
